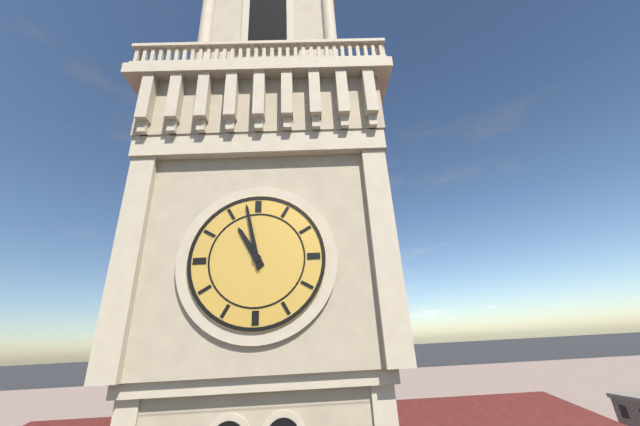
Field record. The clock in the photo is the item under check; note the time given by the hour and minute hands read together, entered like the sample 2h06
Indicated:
10h58
